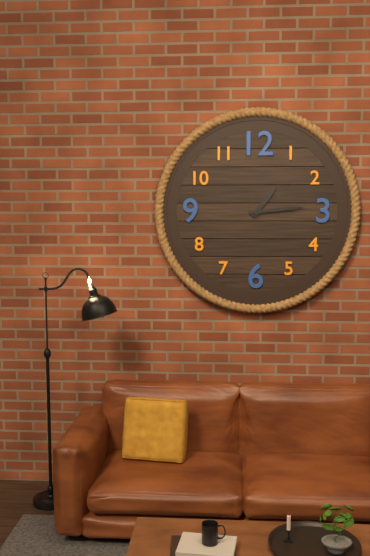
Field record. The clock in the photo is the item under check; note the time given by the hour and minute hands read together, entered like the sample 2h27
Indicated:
1h14
